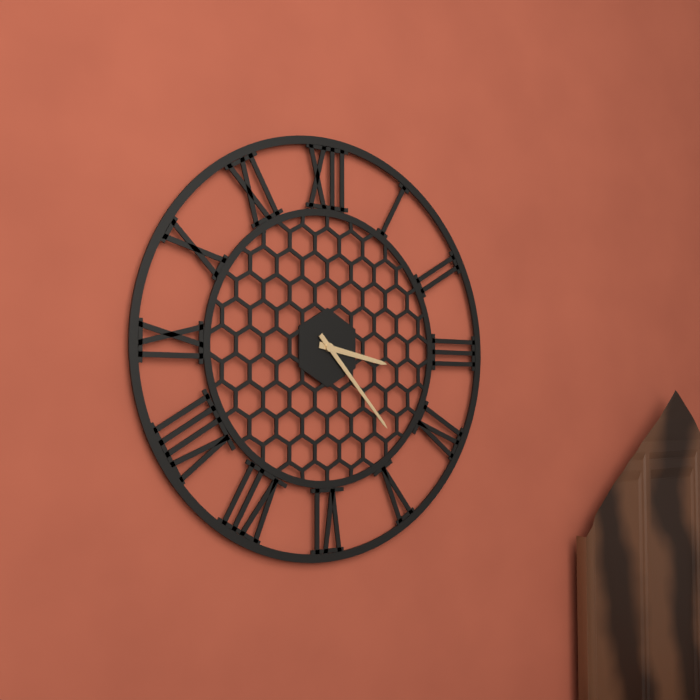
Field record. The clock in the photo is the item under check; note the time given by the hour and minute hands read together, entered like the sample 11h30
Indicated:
3h23
